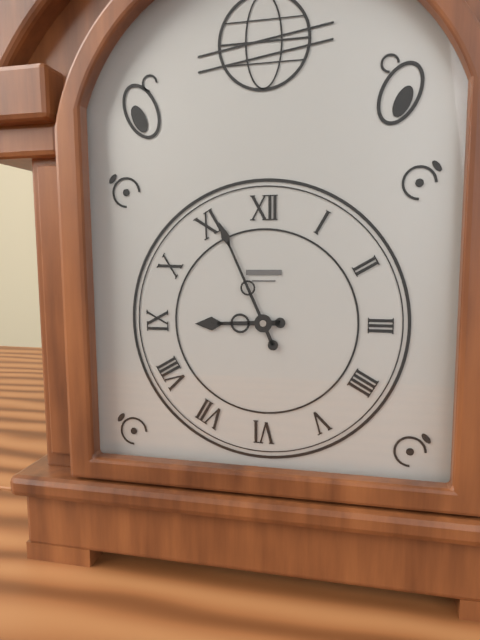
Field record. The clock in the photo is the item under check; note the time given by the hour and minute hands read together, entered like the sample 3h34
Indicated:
8h56
